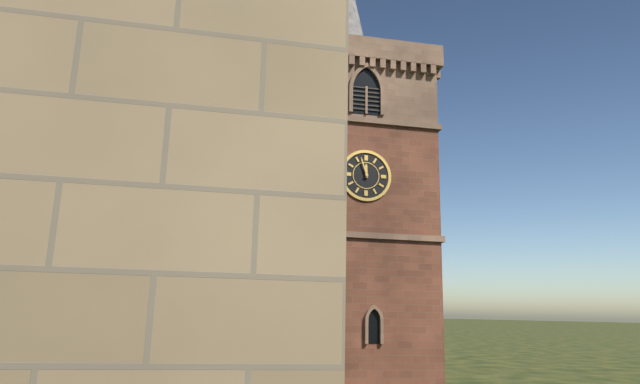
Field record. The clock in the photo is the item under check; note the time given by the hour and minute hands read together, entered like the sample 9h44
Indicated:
11h57
